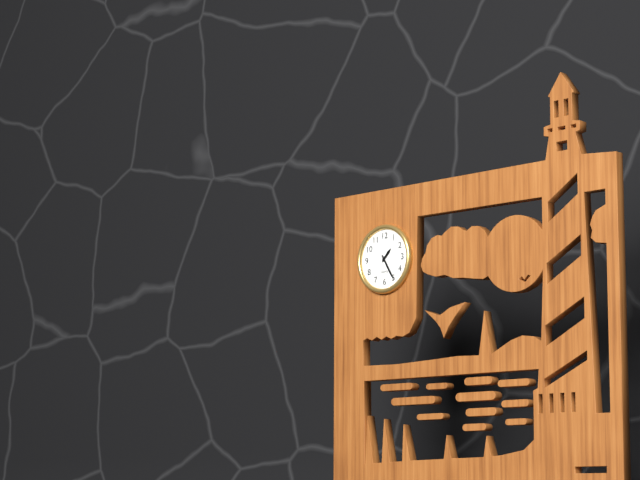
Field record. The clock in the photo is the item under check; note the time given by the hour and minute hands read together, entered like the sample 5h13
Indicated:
1h25
